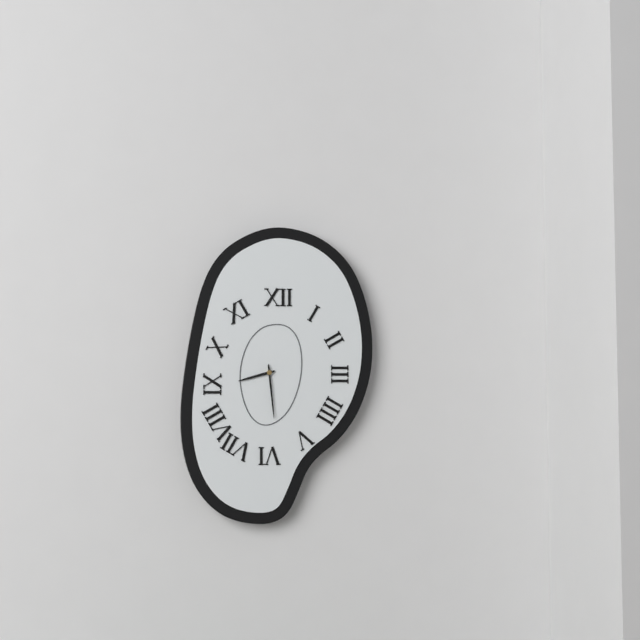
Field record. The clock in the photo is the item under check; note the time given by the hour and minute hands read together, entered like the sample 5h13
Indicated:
8h29
